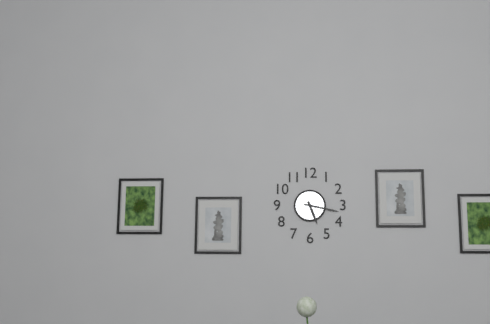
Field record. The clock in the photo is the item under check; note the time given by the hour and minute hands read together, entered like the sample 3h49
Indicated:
5h17
